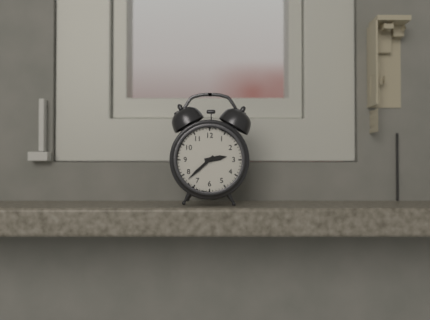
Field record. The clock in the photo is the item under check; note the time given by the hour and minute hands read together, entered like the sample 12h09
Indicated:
2h38
